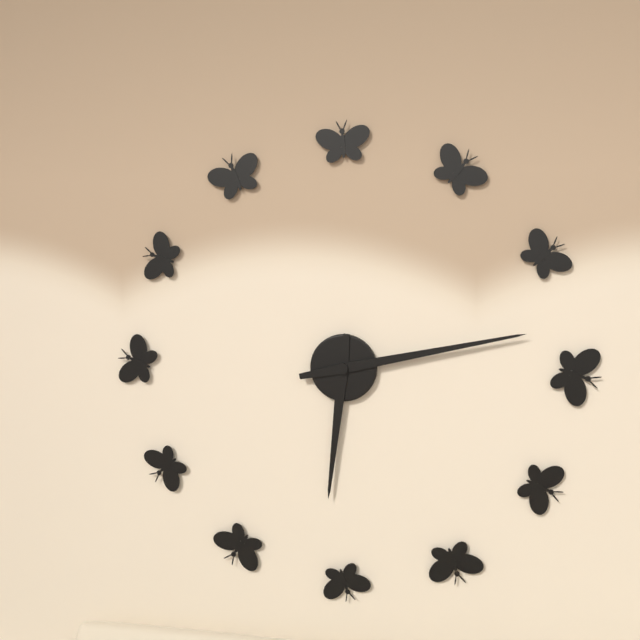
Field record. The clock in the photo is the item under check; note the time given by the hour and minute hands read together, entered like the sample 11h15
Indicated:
6h13
